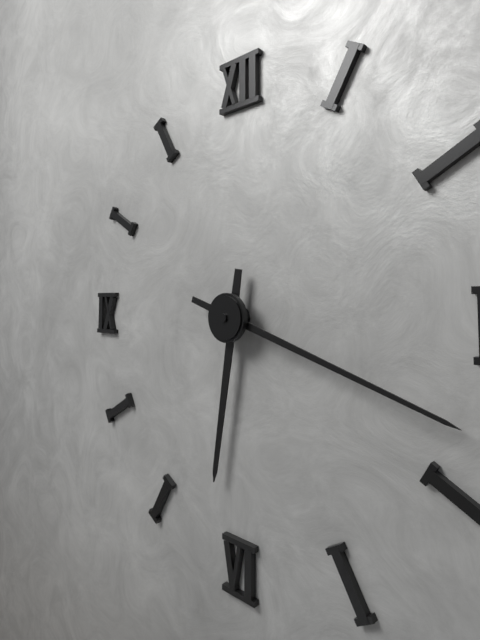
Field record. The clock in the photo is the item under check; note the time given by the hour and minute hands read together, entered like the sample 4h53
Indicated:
6h18
